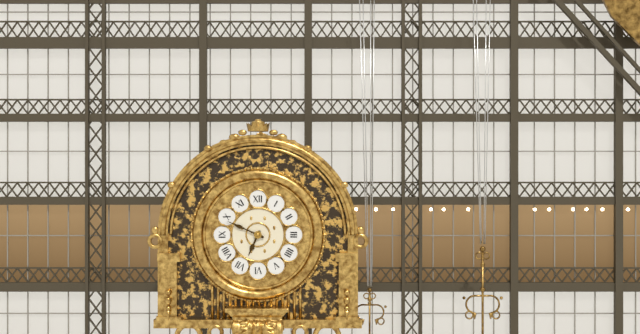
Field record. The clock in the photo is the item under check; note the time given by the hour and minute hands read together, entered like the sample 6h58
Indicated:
6h49
